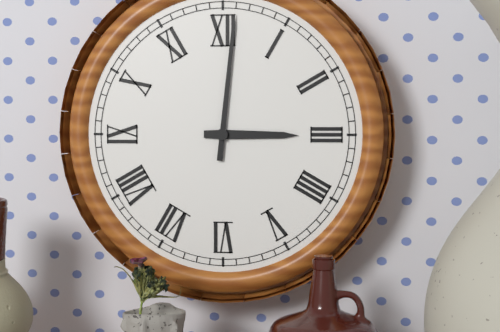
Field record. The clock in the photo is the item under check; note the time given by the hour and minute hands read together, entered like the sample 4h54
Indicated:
3h01
